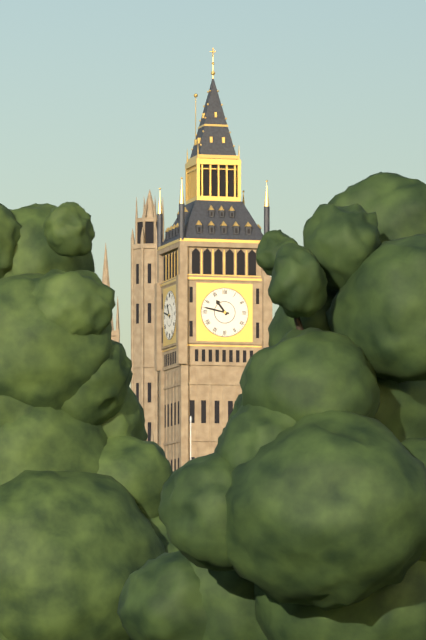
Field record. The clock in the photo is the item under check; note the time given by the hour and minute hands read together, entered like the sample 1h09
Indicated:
10h47
